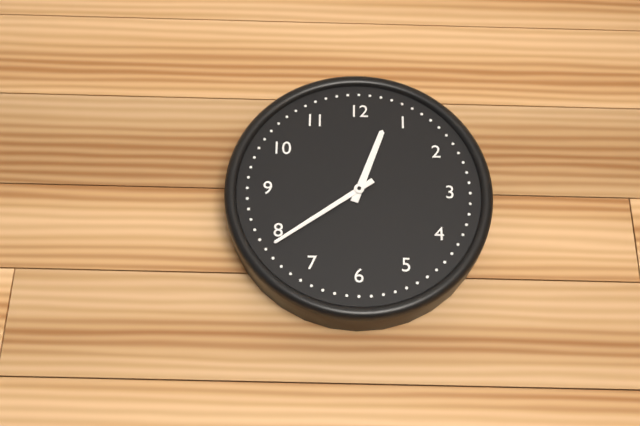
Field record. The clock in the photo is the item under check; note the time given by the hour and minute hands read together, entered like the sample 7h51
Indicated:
12h39
